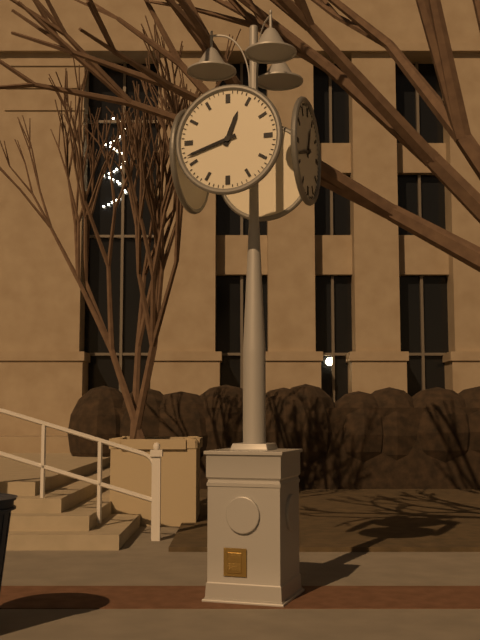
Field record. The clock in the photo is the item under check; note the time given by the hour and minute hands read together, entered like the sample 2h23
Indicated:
12h42
